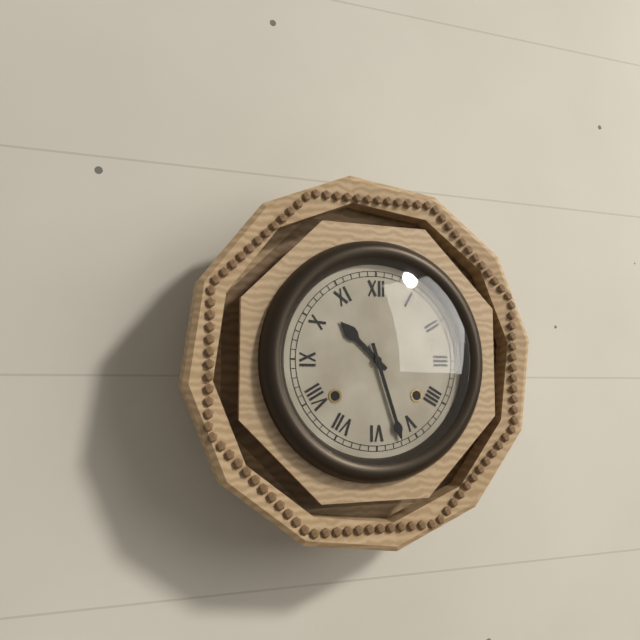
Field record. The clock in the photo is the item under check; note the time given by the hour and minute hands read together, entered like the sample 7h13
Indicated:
10h27
